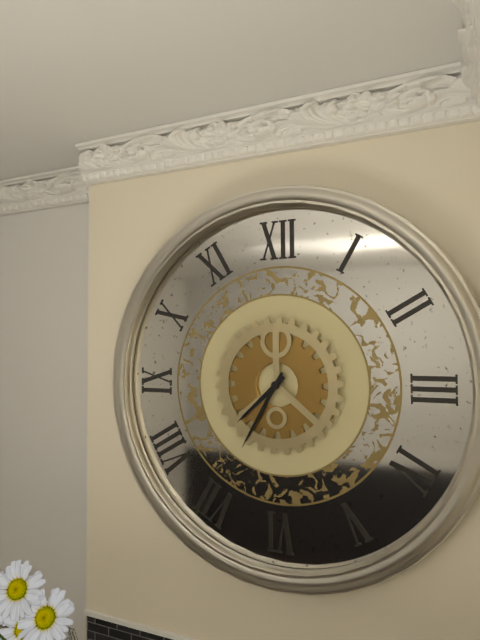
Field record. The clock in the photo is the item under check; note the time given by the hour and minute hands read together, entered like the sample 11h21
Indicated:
7h35
